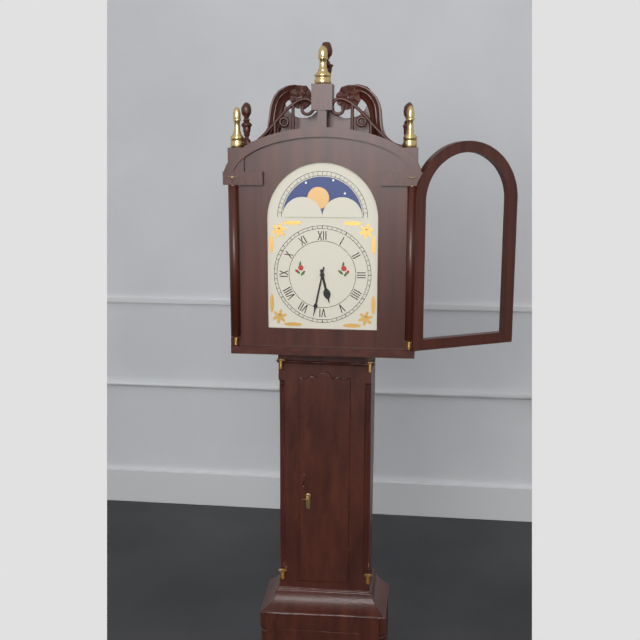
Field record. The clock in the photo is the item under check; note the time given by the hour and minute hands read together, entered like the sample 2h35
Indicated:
5h32
